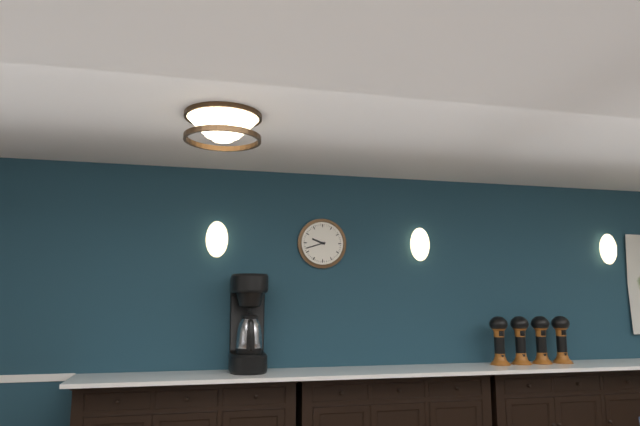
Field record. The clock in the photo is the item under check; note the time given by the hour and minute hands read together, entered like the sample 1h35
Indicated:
9h42
